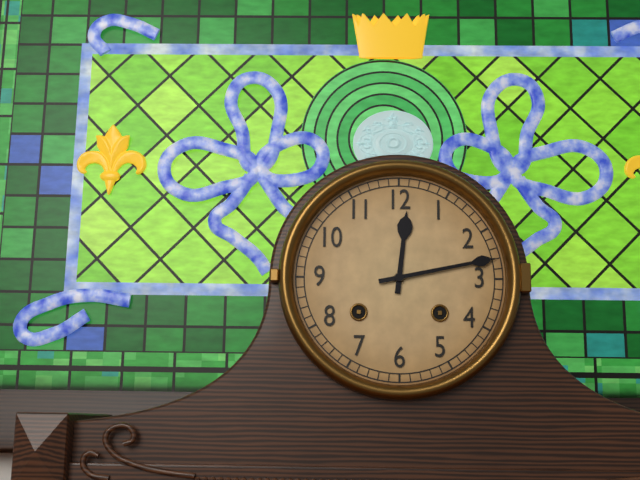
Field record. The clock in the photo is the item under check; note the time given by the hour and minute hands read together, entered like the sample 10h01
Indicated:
12h13
